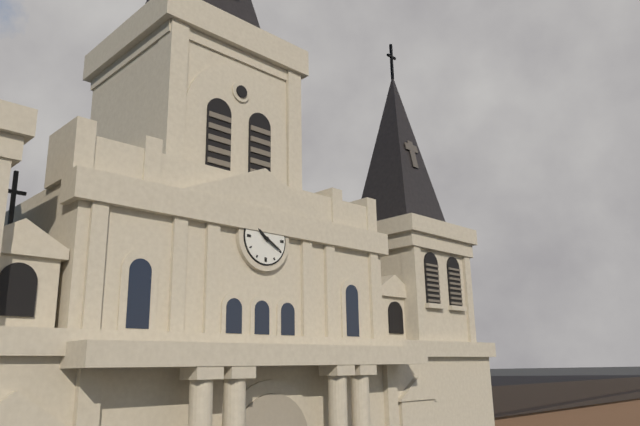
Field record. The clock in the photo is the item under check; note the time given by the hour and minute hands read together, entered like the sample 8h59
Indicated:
10h20
